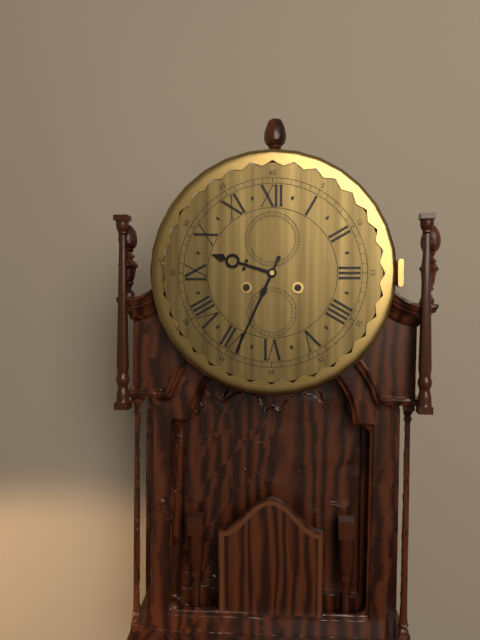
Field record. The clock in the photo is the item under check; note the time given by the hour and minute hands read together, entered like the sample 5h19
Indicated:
9h34
